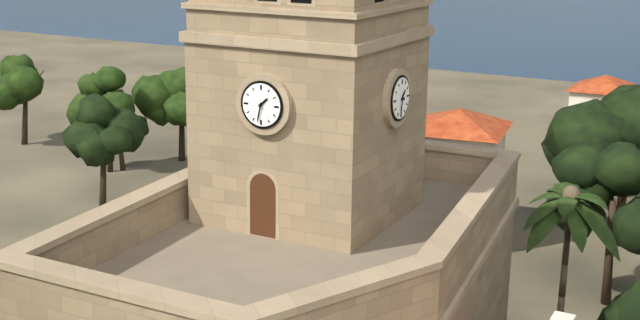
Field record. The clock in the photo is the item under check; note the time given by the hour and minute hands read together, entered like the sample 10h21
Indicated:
1h32
